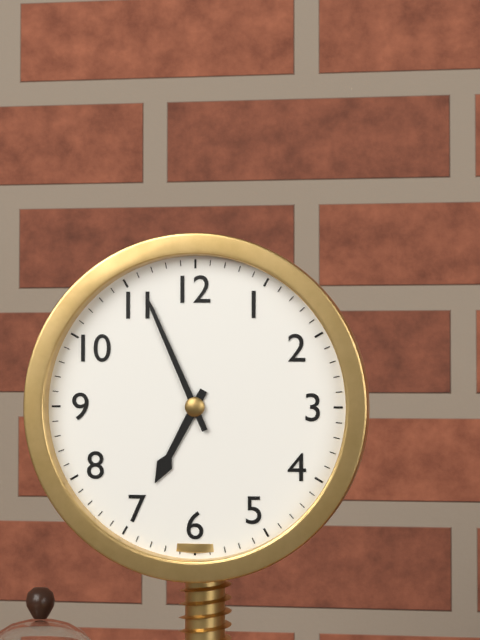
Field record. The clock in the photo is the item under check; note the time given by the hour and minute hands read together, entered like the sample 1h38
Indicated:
6h56
